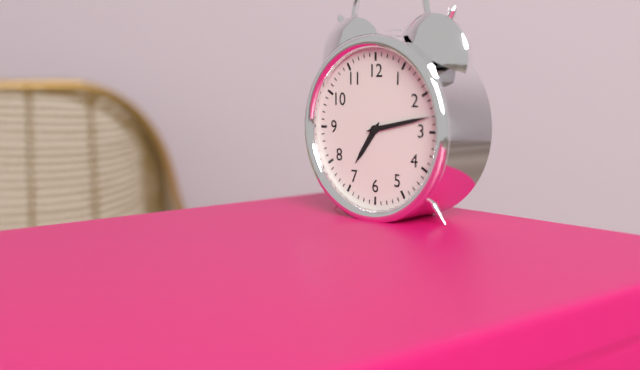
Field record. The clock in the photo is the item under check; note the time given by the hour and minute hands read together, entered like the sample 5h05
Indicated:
7h13
